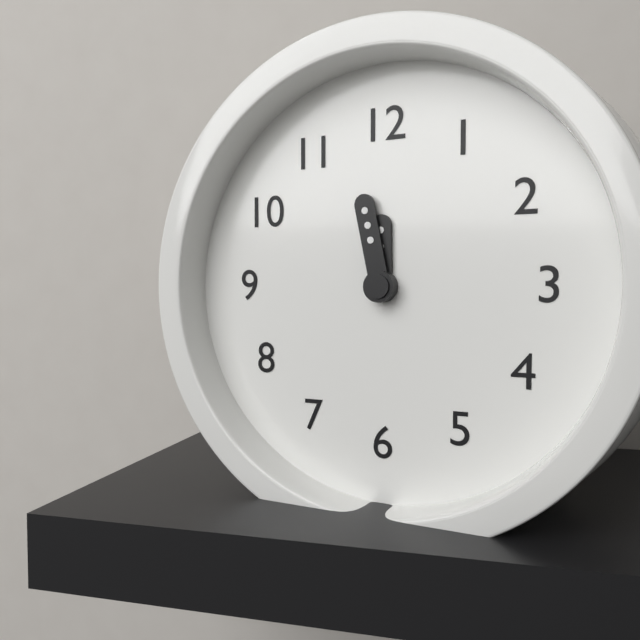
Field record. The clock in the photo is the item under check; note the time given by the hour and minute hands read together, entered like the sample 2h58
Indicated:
11h58
